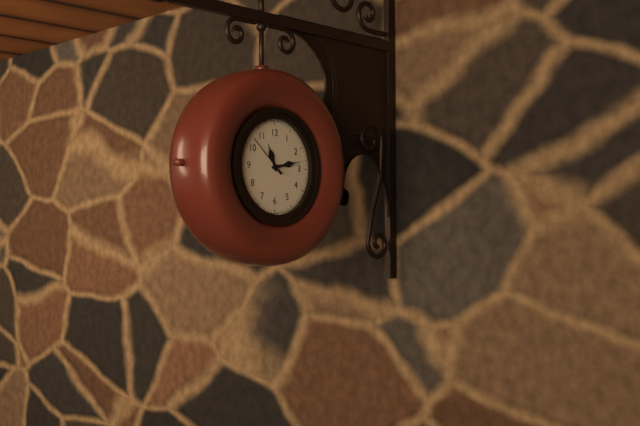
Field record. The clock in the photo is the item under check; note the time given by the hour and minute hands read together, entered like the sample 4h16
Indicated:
11h13
